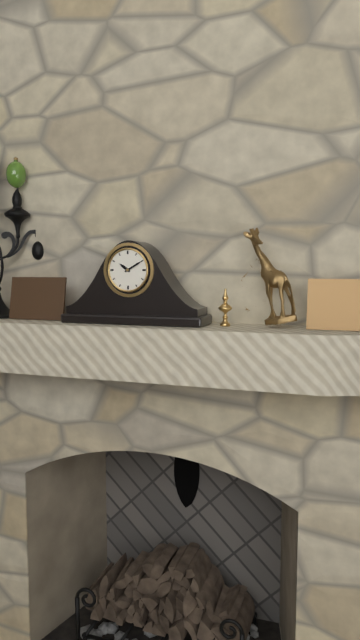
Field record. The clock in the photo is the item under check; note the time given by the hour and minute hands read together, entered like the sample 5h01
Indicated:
10h10
